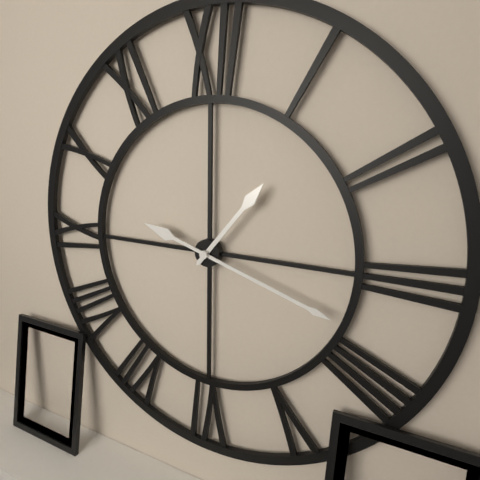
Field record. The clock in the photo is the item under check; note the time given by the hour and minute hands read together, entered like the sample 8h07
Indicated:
1h18
